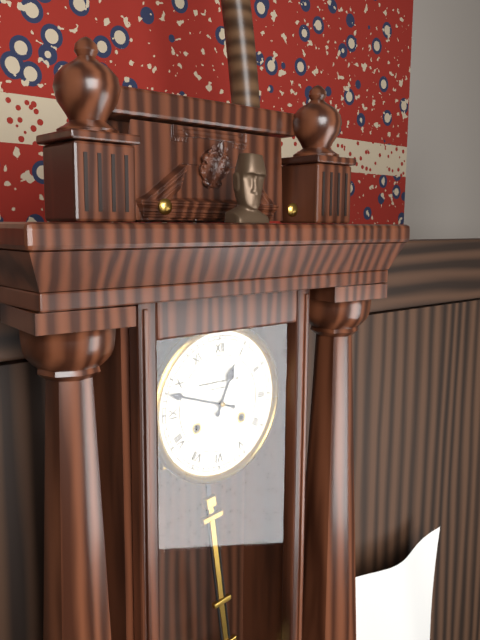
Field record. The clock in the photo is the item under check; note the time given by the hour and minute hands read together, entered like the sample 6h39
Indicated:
12h48
